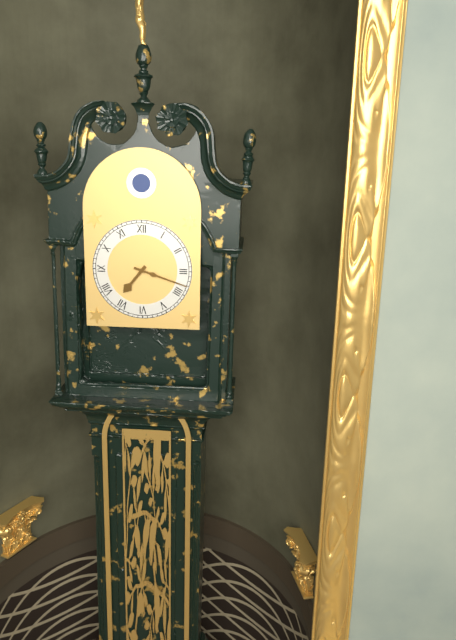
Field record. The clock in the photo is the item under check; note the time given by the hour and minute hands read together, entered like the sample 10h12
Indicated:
7h18
